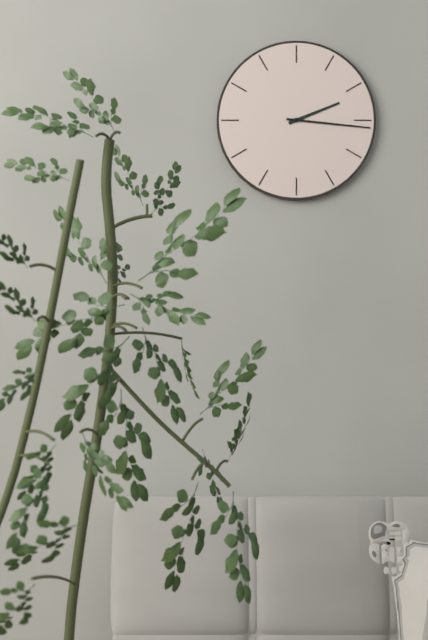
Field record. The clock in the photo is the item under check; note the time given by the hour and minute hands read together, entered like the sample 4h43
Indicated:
2h16
